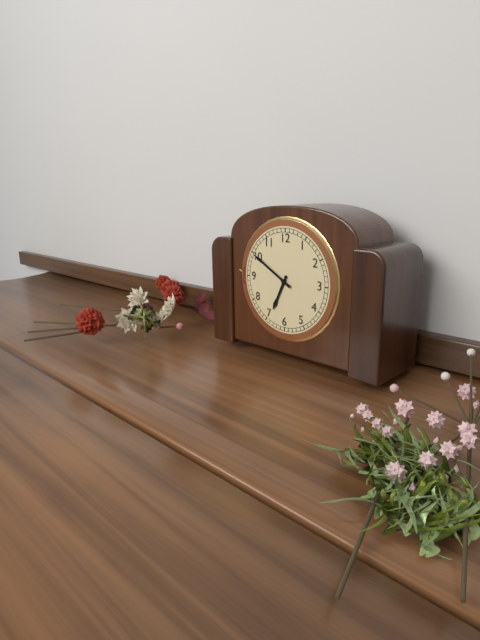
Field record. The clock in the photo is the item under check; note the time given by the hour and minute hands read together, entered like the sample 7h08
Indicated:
6h50
